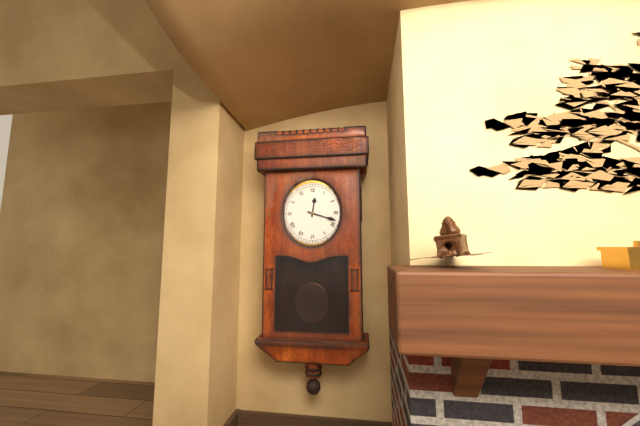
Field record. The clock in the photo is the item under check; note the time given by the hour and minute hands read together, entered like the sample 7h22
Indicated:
12h18
